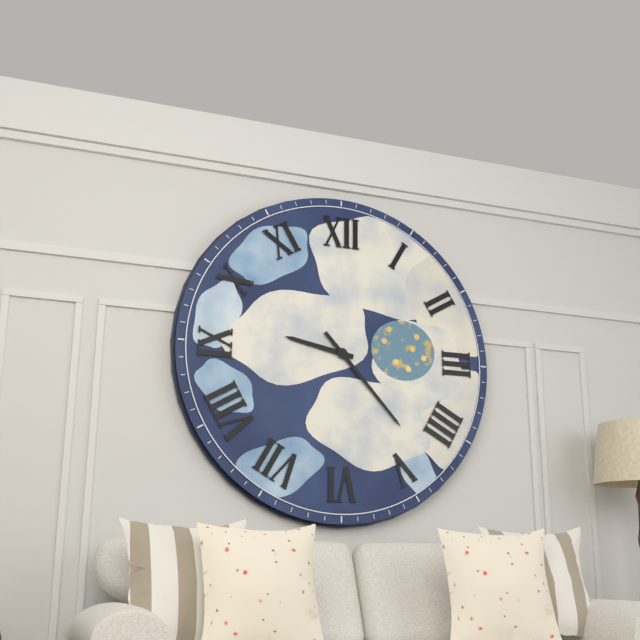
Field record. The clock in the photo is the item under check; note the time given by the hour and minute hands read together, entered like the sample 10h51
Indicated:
9h23
